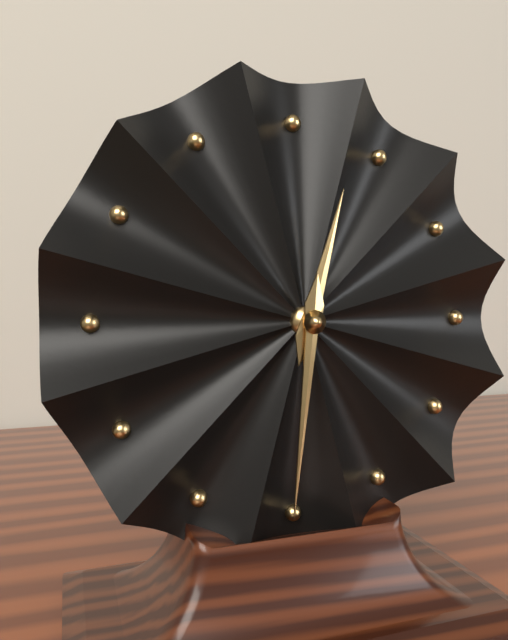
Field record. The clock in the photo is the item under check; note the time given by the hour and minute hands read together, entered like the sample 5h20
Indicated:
12h31
